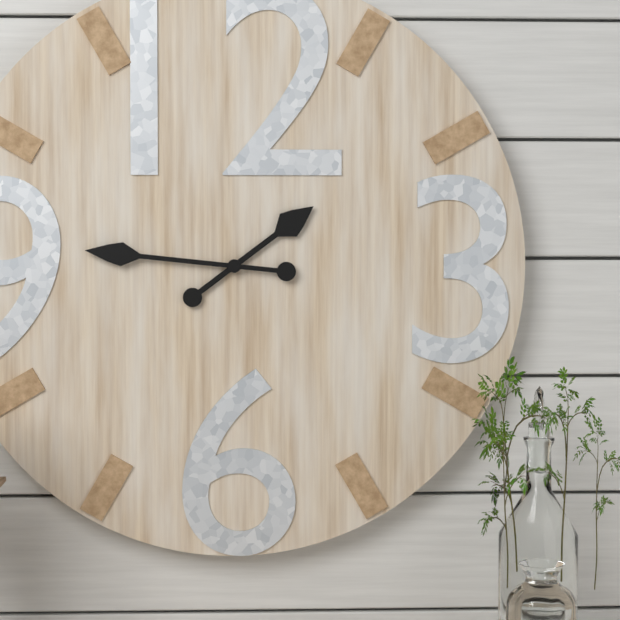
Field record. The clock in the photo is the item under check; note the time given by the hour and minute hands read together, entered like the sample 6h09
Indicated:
1h46
